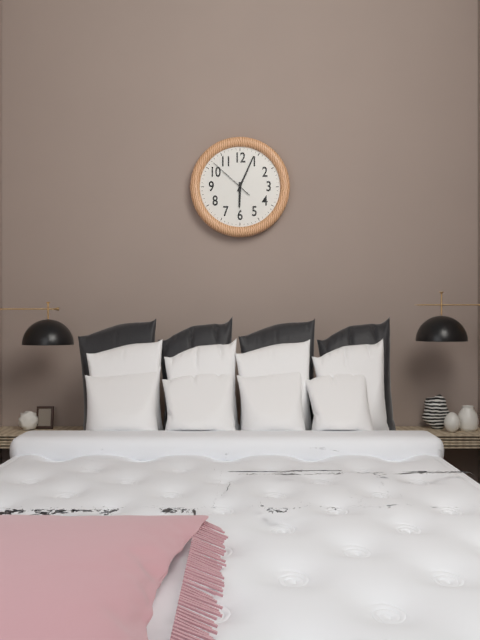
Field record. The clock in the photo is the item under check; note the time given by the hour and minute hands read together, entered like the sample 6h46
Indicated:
6h04
